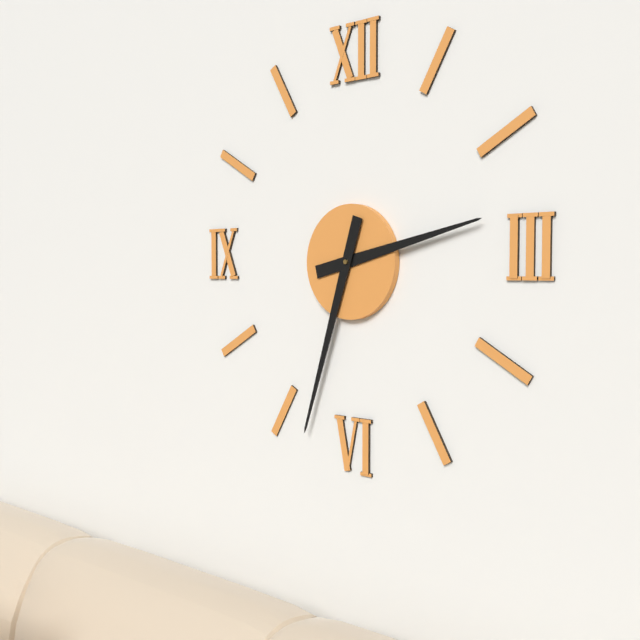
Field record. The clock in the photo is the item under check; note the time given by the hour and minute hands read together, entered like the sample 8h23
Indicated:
2h33
